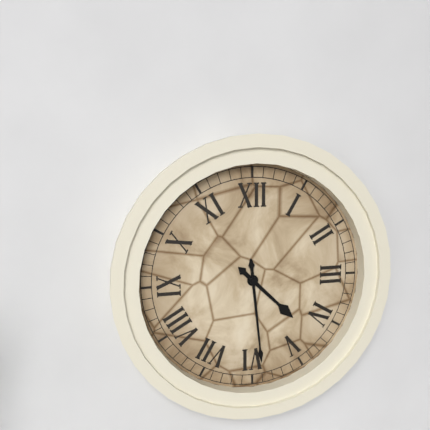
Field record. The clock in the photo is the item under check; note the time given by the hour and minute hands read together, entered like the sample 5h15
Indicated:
4h29
